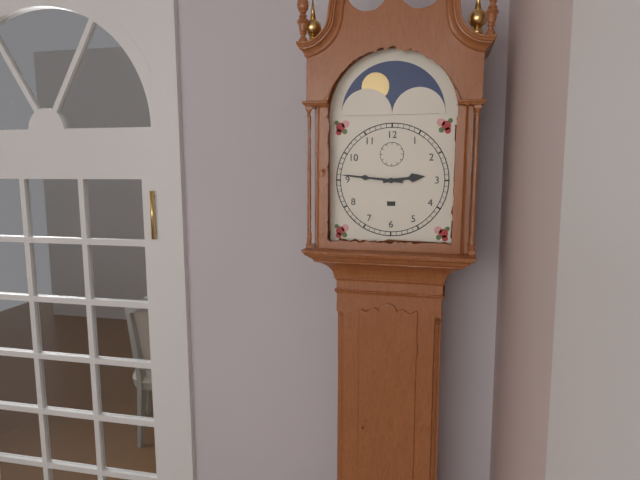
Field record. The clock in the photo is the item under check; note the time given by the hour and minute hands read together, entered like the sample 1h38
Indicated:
2h46
